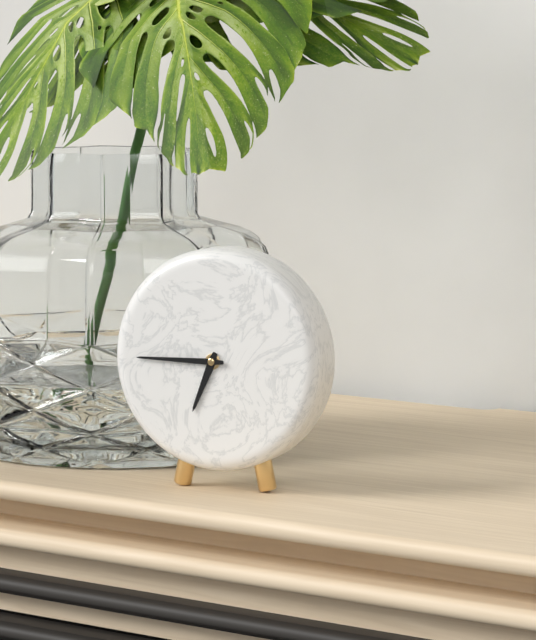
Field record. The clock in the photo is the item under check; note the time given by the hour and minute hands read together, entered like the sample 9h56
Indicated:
6h45
